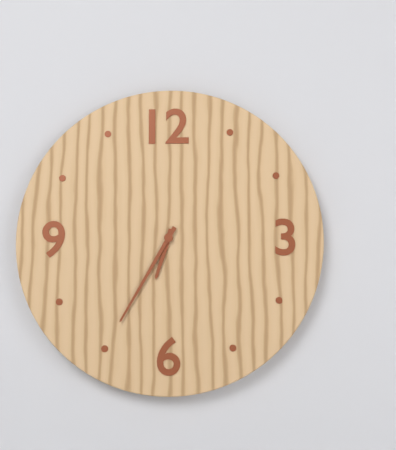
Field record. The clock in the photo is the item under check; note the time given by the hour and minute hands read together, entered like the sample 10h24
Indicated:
6h35
